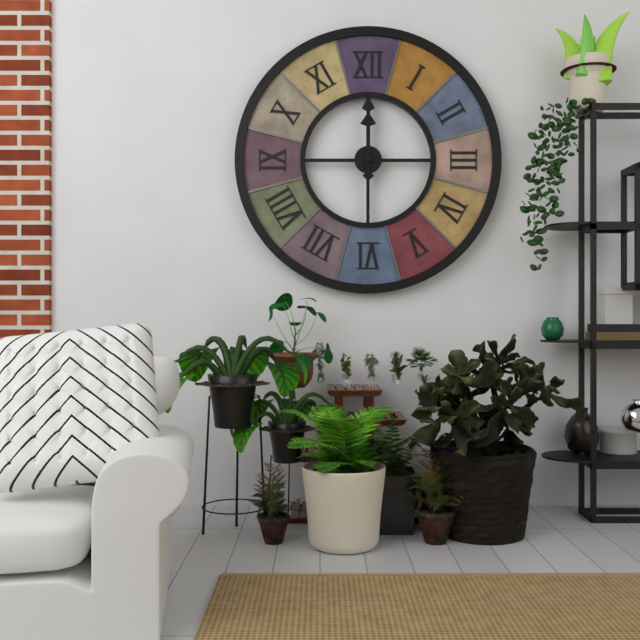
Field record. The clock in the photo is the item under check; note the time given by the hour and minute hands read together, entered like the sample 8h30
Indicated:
12h00
